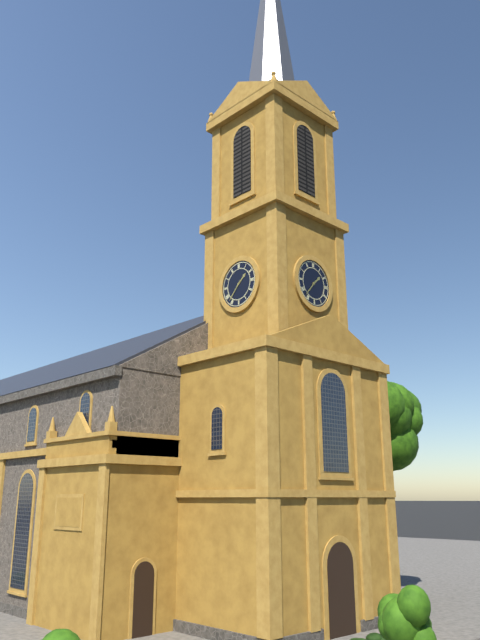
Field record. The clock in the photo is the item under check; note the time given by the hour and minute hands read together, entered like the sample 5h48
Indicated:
1h37
